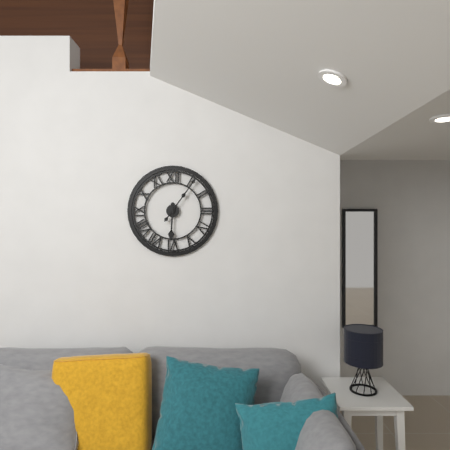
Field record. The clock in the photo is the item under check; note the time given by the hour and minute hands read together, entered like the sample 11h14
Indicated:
6h06
